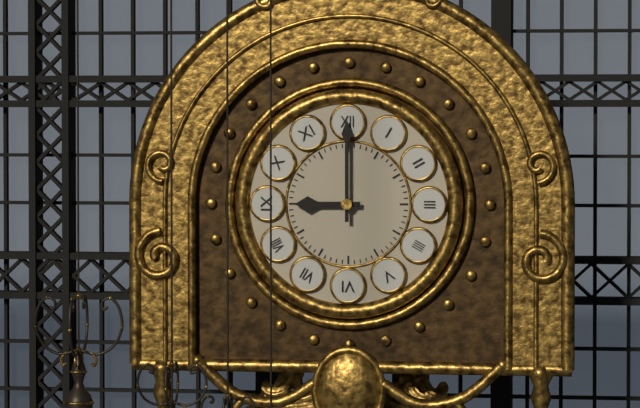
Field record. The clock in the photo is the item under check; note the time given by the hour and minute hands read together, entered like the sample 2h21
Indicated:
9h00
